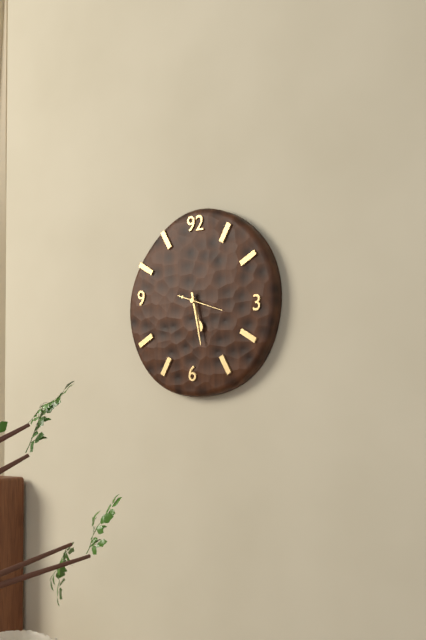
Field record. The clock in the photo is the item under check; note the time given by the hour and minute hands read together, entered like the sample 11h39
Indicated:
5h28
